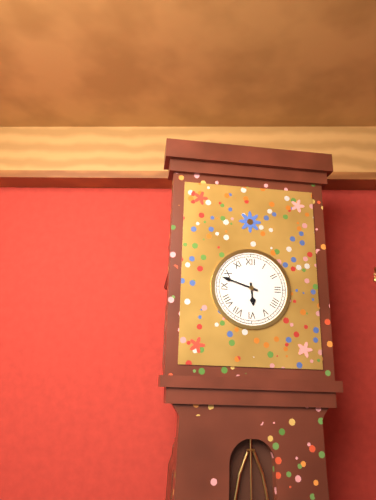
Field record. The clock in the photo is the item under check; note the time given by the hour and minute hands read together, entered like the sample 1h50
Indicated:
5h48
